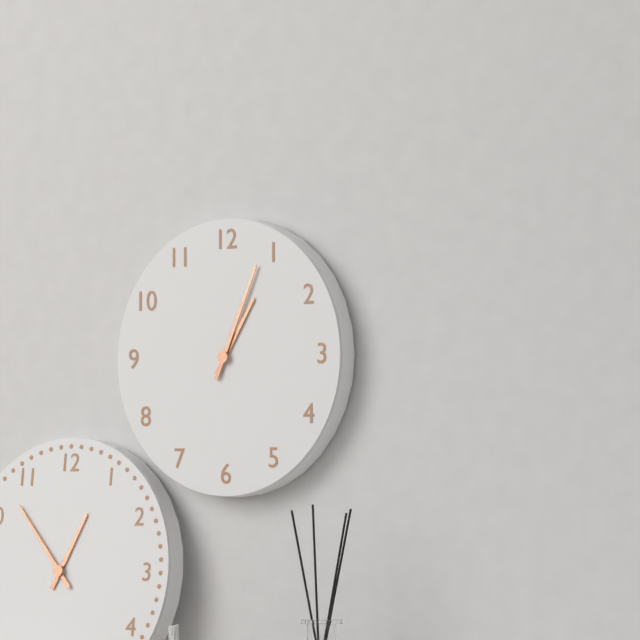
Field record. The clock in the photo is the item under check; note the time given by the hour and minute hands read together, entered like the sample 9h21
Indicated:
1h04
